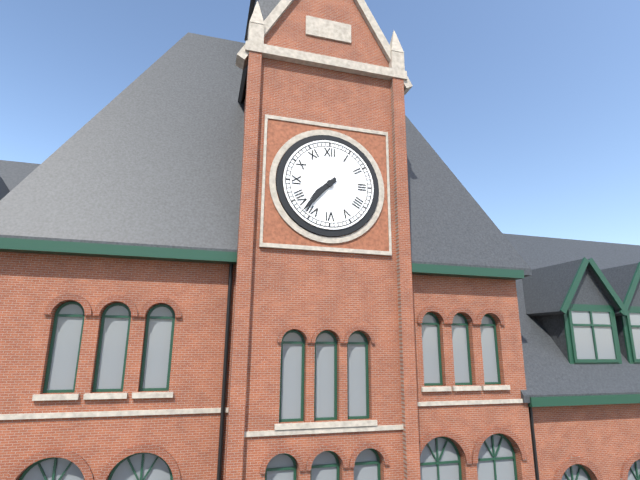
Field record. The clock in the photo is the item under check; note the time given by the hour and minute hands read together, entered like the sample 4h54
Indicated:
7h37
